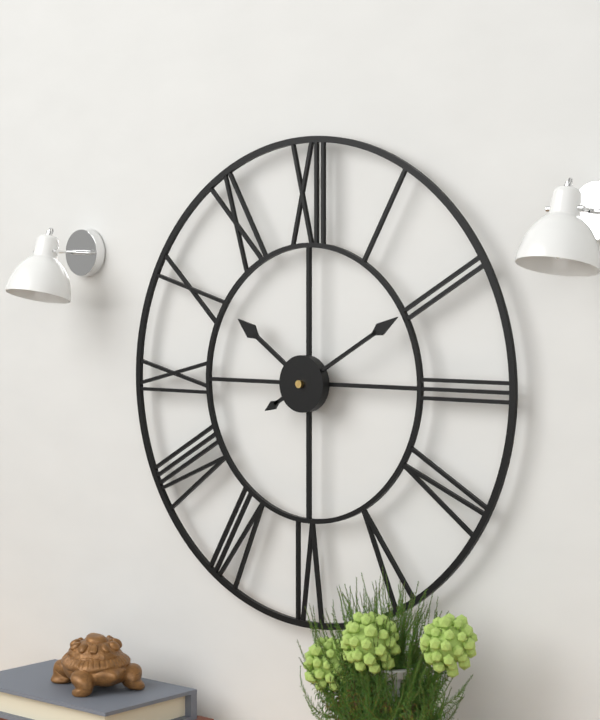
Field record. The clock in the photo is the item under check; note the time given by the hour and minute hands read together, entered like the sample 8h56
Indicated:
10h10
